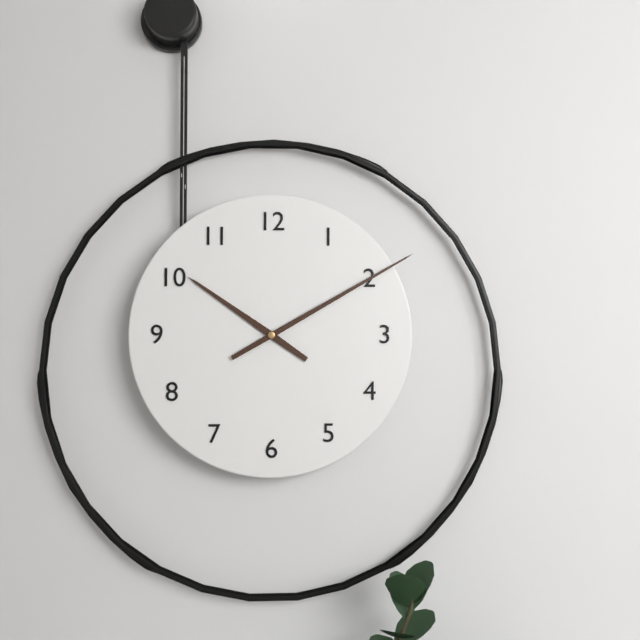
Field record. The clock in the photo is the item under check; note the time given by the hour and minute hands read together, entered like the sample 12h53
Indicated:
10h10
